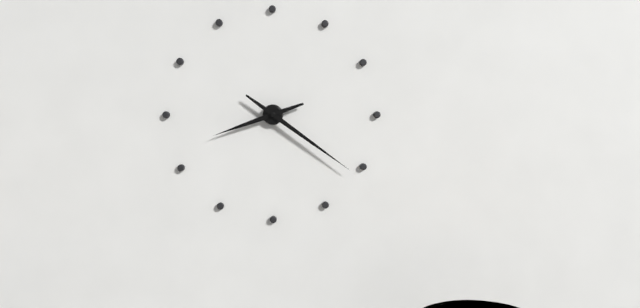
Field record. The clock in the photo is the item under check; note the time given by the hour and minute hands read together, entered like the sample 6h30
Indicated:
8h21
